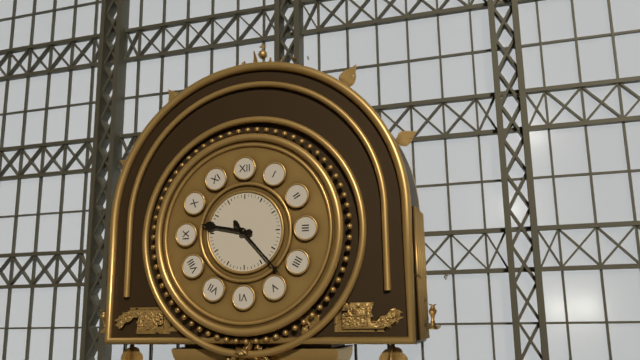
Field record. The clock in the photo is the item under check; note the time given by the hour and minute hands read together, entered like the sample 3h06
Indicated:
9h23
